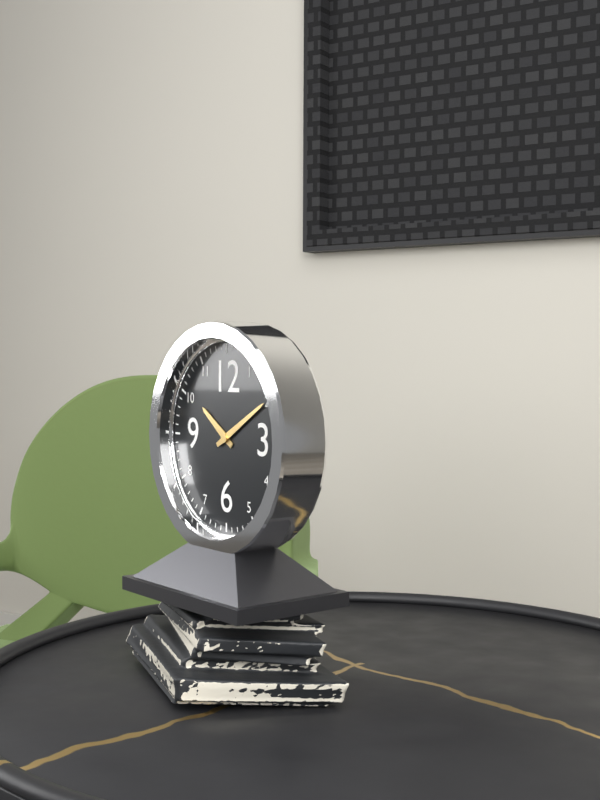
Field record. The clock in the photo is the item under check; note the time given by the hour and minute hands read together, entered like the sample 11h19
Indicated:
10h10
